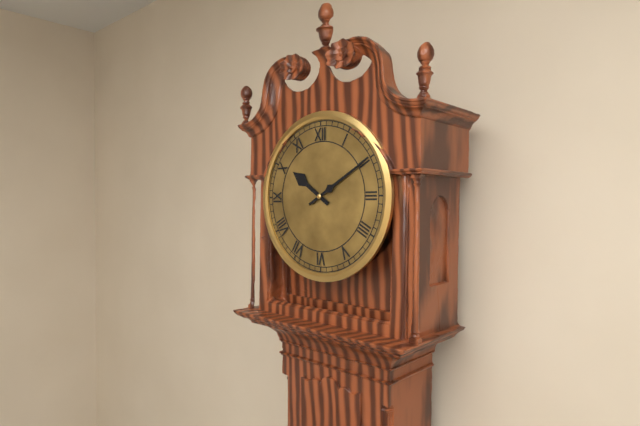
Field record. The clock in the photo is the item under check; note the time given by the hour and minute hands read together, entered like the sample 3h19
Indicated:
10h10
